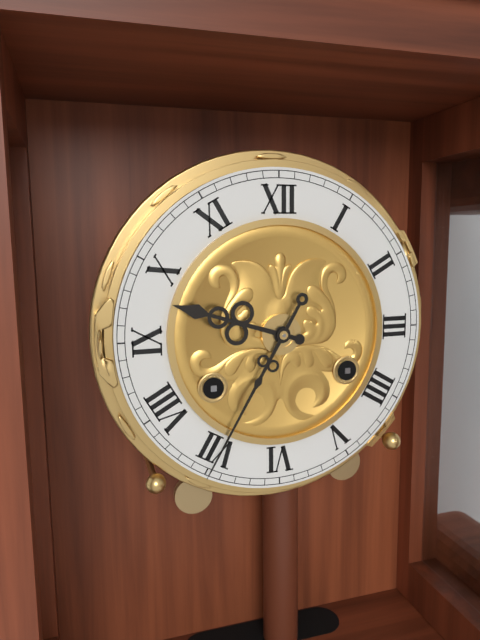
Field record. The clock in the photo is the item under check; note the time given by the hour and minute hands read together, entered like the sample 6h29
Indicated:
9h35
